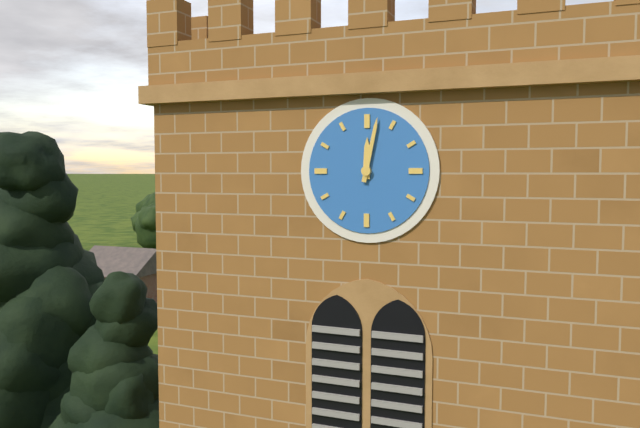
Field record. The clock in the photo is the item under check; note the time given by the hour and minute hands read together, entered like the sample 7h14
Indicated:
12h02
